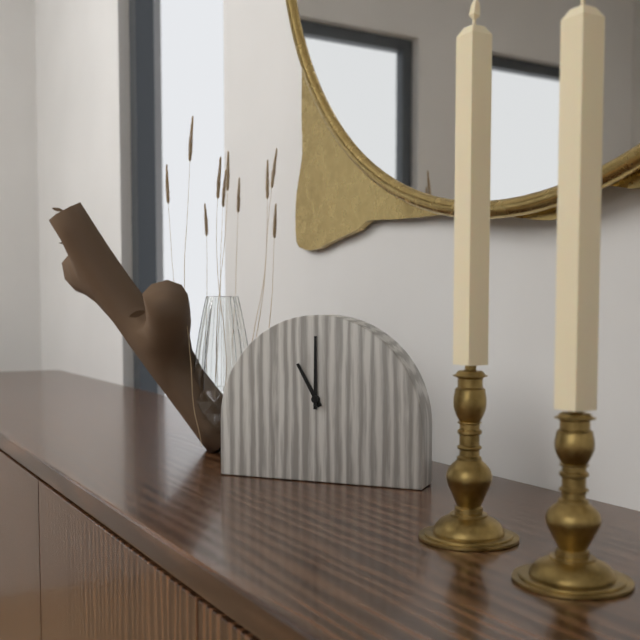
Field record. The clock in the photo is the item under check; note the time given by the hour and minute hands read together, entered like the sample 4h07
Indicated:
11h00
